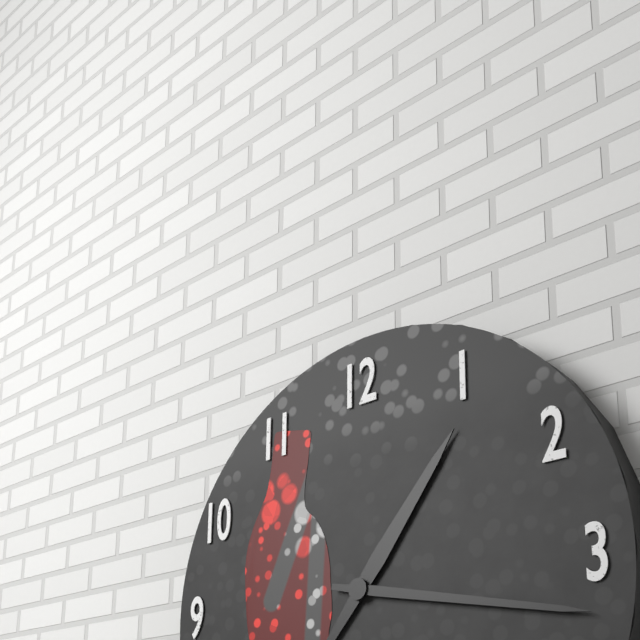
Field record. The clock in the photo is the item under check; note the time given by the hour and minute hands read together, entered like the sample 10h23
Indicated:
1h17
